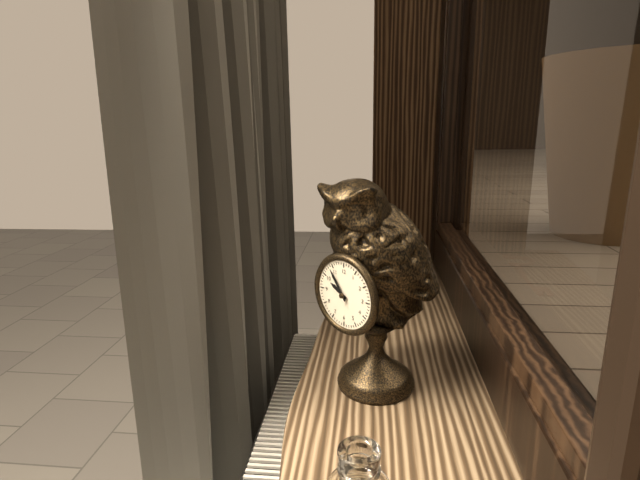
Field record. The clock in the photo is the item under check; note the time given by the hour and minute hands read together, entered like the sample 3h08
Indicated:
9h54
